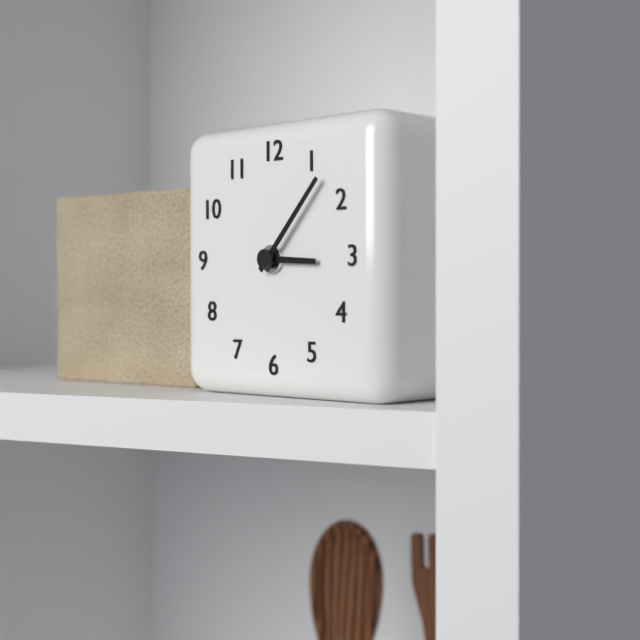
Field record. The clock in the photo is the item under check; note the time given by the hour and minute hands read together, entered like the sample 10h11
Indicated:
3h07
